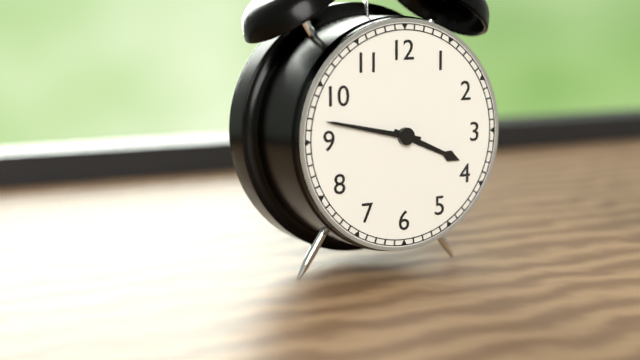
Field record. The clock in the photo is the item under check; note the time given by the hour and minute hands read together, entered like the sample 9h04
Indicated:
3h47
